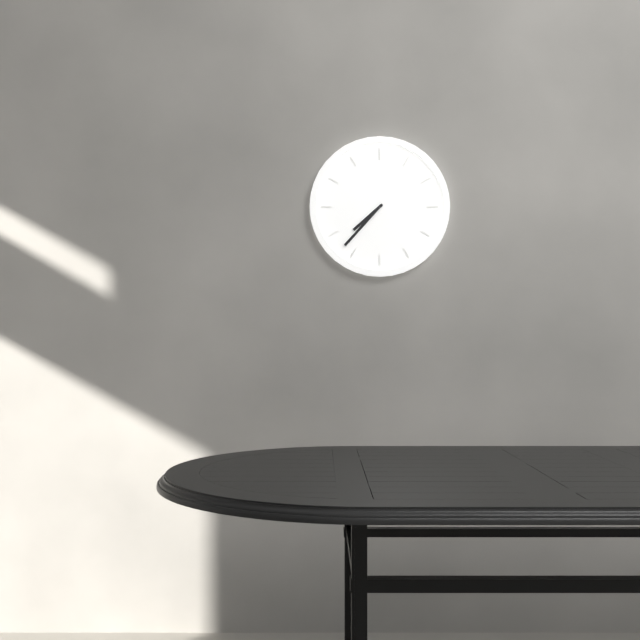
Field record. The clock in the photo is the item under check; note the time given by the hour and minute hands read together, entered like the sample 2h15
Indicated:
7h37
